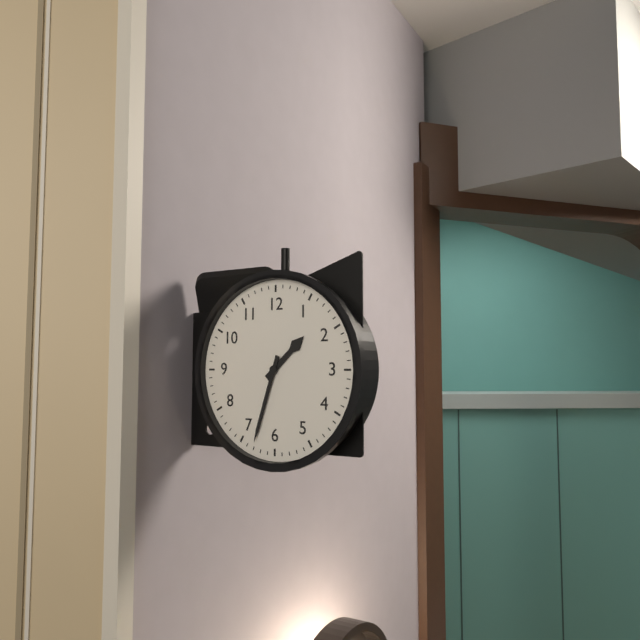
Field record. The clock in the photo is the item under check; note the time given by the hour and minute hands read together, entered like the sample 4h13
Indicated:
1h33
